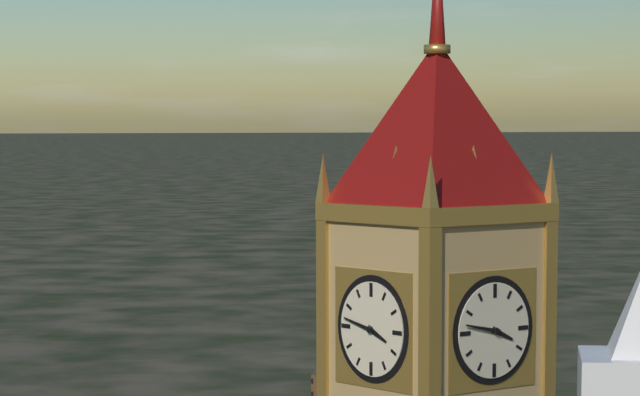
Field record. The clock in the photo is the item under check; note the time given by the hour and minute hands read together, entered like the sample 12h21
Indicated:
3h47
